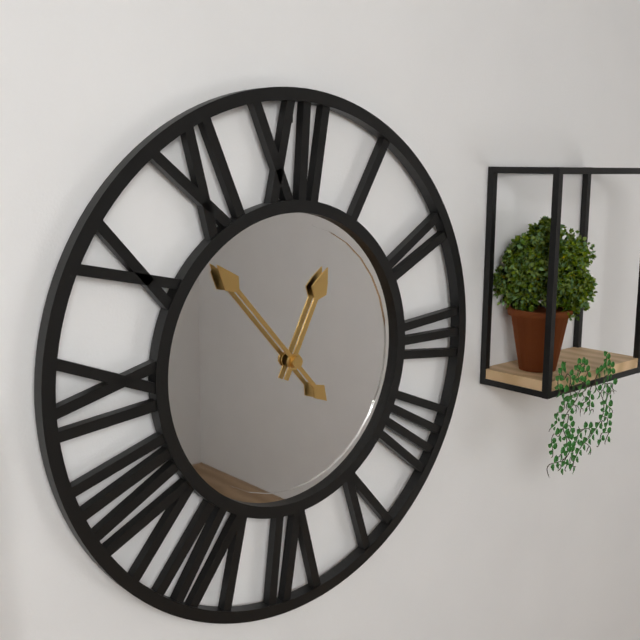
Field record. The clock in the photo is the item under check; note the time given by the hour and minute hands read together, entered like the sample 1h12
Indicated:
12h53
